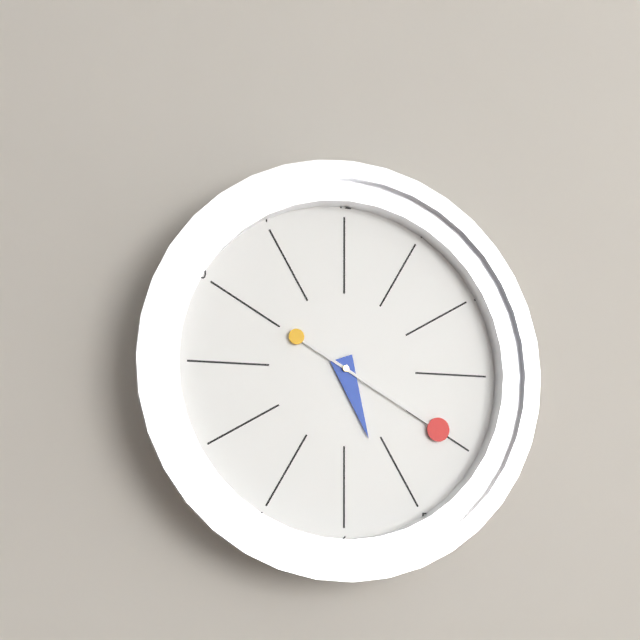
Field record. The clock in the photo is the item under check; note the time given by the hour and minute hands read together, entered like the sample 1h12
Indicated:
5h20
